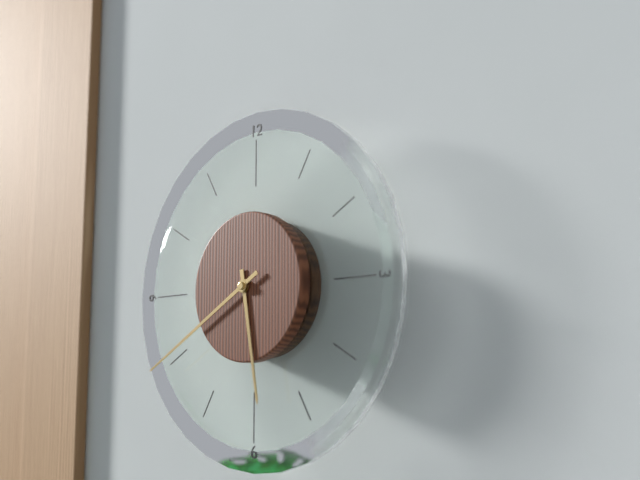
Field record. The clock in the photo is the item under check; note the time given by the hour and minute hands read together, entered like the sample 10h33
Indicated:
5h40
